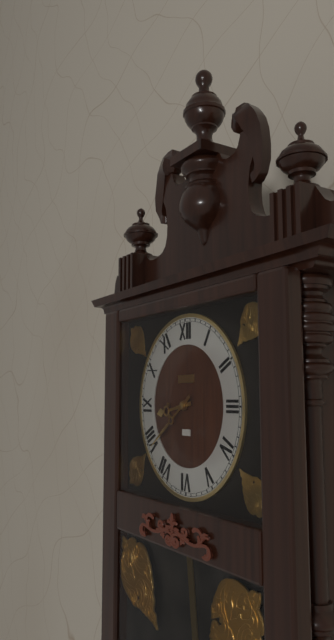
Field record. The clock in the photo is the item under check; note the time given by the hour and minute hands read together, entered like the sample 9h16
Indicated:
8h39
